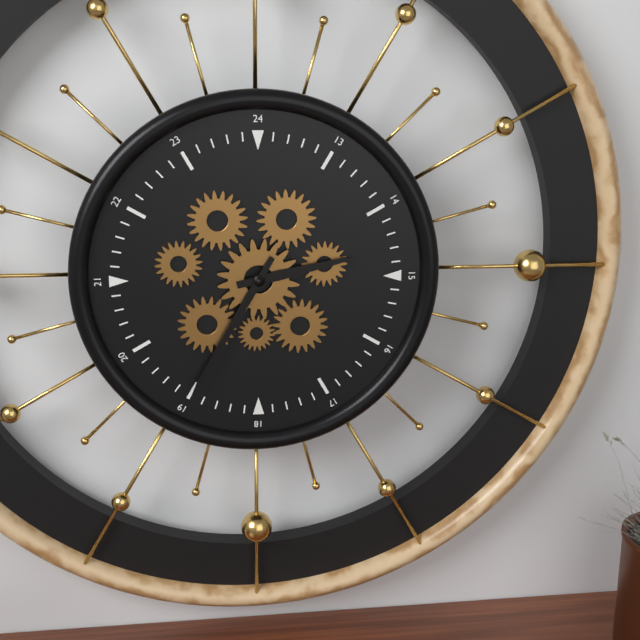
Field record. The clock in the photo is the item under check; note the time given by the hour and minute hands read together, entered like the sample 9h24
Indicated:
2h35
